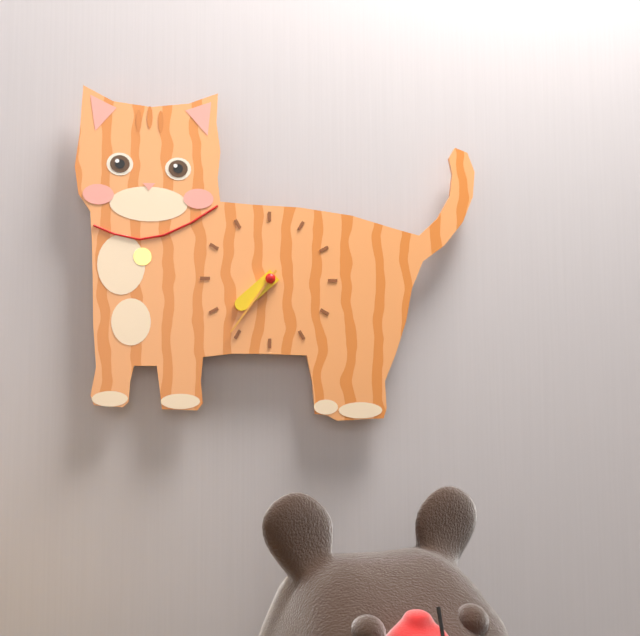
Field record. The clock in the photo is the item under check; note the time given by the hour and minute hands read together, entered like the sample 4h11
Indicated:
7h36
